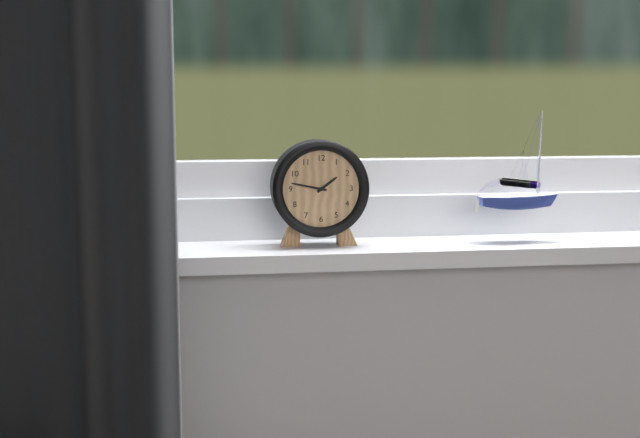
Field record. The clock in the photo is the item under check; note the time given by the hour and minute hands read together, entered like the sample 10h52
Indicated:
1h47
